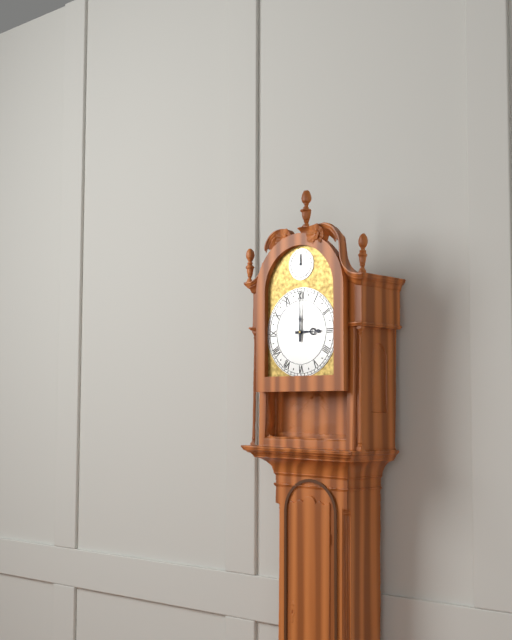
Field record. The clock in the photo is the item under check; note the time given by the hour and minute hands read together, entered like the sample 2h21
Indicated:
3h00
